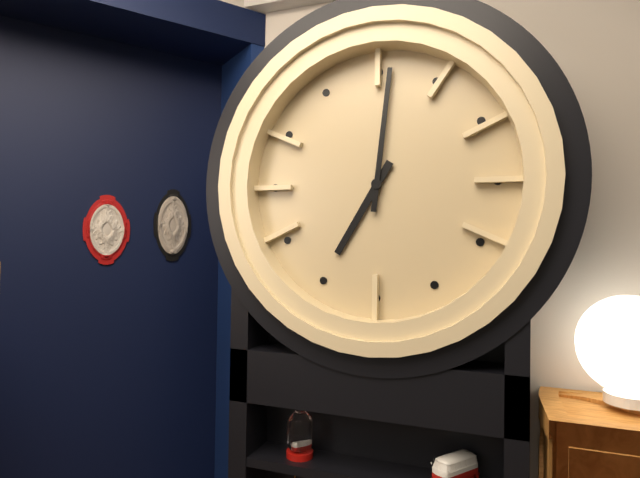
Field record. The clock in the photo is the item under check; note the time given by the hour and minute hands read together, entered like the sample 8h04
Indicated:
7h01
